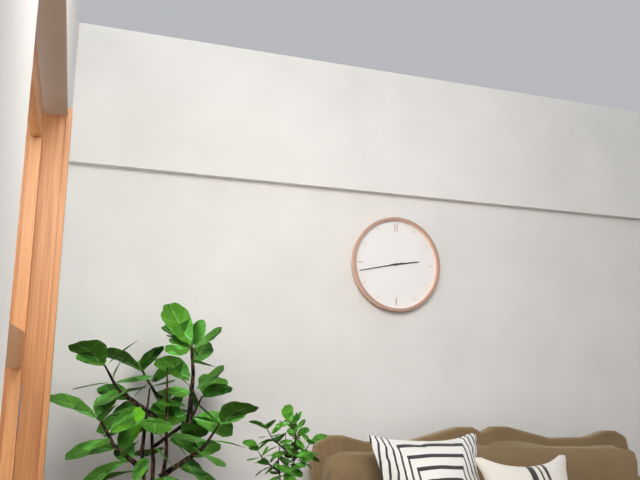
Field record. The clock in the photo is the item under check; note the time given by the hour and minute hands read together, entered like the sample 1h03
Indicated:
2h43
